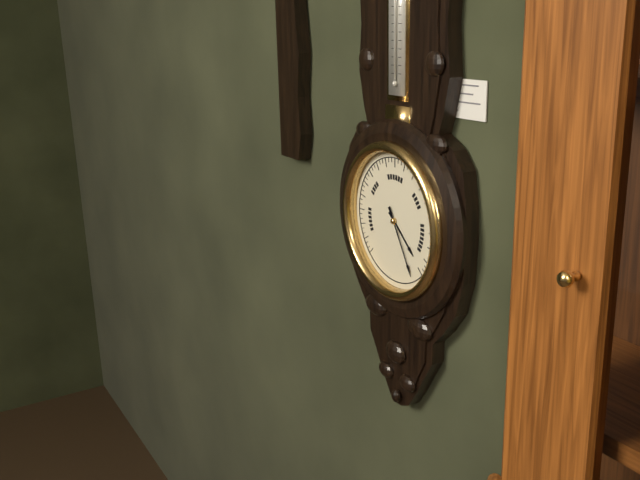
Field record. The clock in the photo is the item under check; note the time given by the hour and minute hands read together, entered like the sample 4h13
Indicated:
4h25
